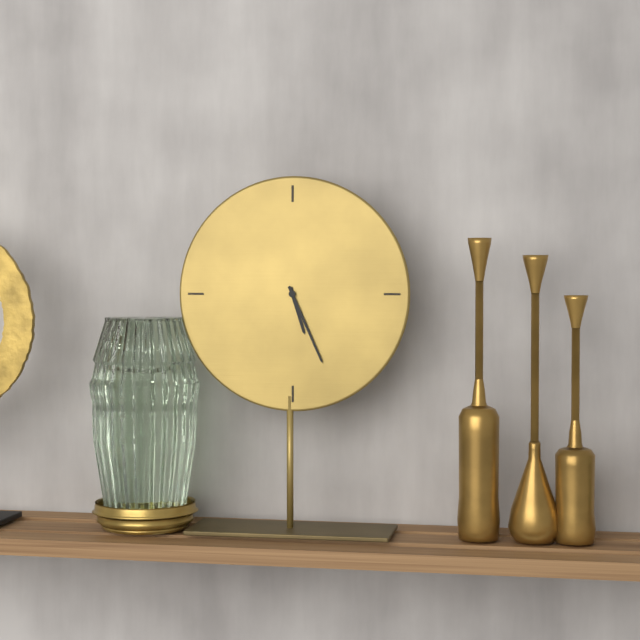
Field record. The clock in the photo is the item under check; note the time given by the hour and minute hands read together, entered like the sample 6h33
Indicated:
5h26
